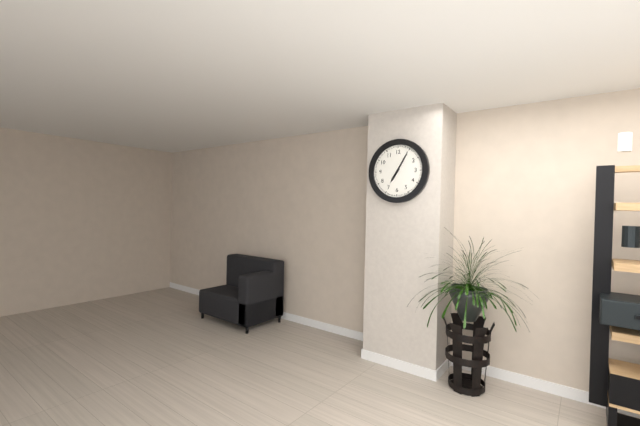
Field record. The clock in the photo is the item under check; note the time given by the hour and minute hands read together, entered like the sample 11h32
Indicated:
7h05
